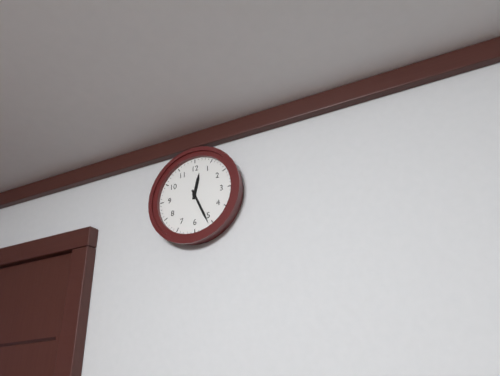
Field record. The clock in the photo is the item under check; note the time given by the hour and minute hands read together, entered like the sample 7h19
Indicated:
12h26
